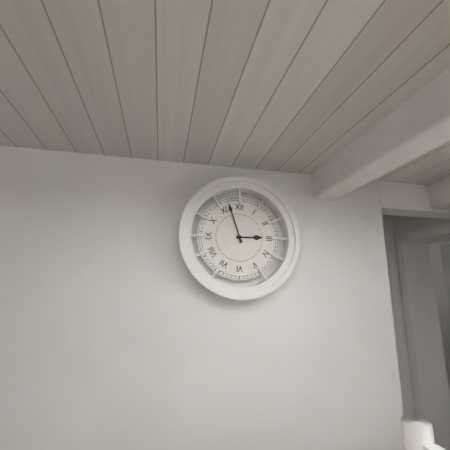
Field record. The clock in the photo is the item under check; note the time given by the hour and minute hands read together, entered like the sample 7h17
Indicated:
2h57
